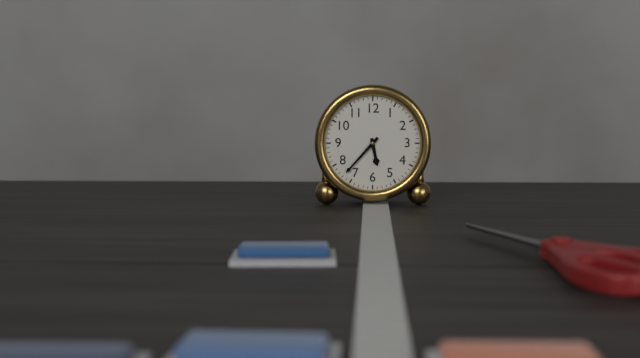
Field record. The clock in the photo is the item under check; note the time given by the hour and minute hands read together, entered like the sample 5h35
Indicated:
5h37
